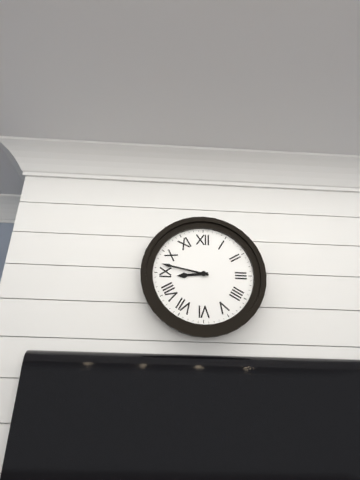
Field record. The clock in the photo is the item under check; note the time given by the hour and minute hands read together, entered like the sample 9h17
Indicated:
8h47
